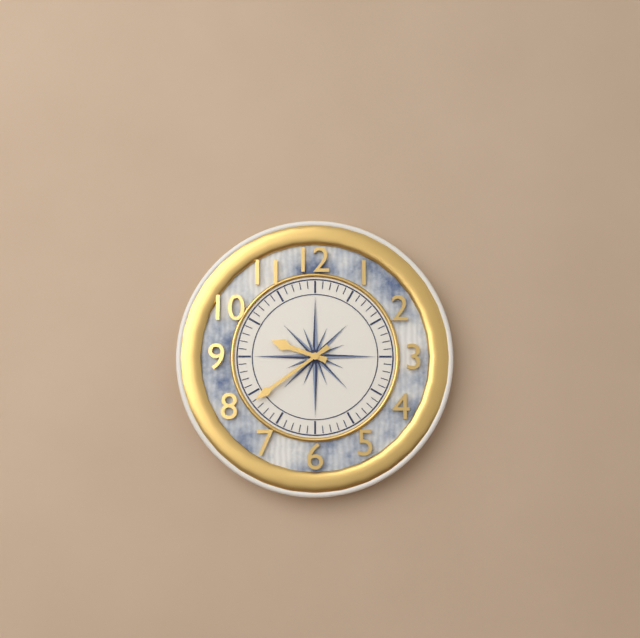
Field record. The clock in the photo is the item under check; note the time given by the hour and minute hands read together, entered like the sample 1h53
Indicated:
9h39
